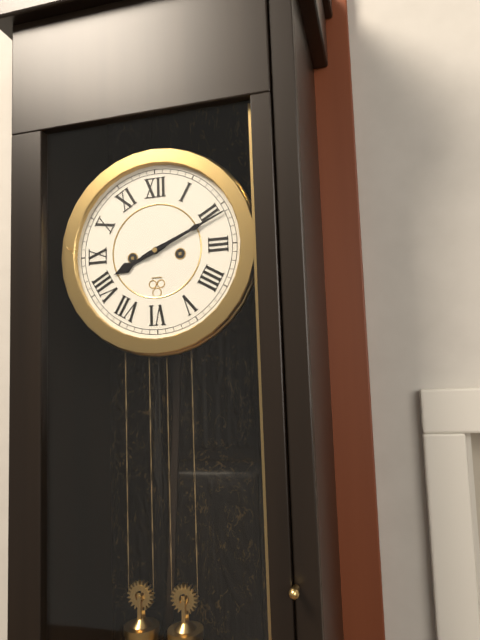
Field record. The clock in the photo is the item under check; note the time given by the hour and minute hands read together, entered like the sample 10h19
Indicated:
8h11
